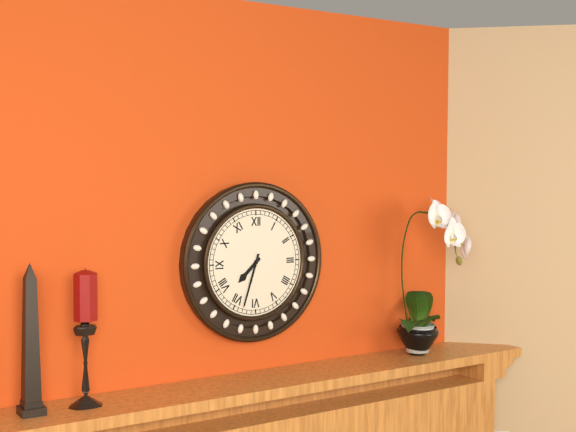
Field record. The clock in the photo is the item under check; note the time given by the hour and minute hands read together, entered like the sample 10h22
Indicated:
7h33
